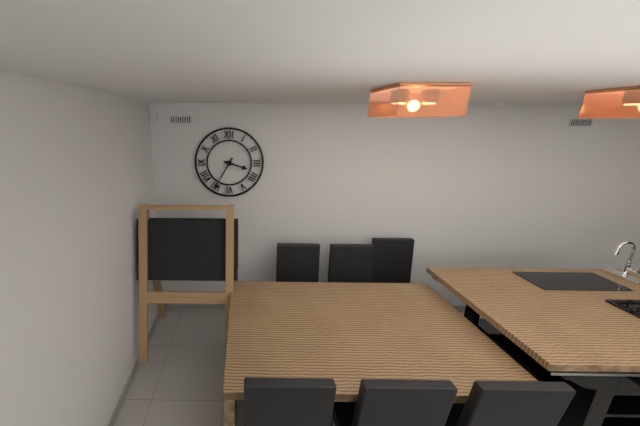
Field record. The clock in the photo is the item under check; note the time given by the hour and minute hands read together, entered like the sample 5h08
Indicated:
3h35
